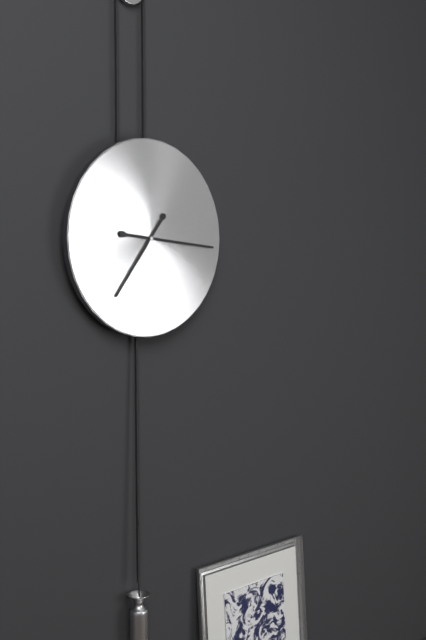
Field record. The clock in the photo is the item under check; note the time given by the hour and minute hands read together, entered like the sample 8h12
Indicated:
7h16
